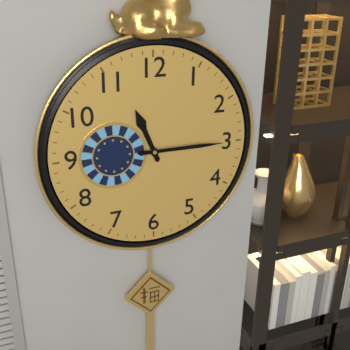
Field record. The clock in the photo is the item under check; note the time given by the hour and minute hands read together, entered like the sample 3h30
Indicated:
11h15
